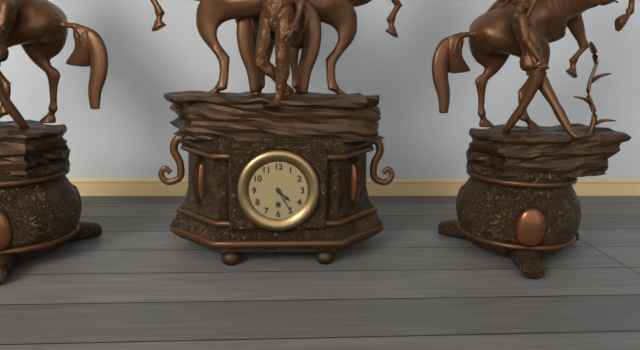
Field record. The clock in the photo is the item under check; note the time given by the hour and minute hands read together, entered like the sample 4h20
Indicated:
4h25
